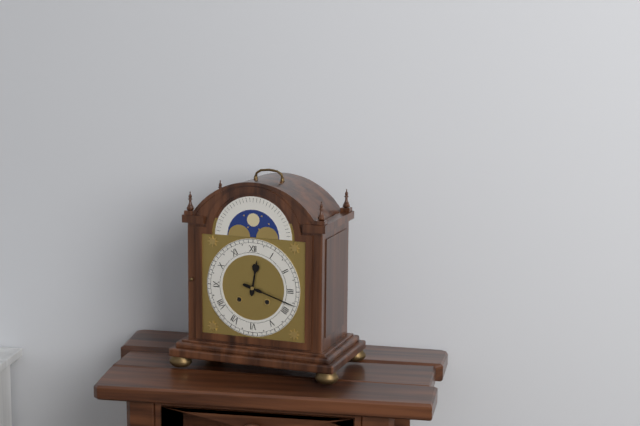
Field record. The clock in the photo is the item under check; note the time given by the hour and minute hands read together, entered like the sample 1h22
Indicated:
12h18
